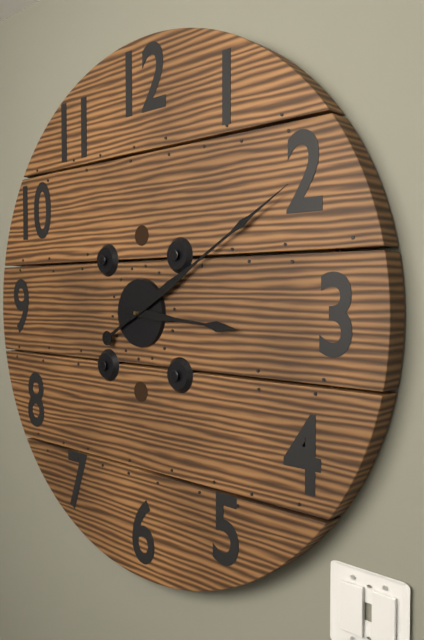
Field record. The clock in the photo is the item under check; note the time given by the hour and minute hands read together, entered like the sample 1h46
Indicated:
3h10
